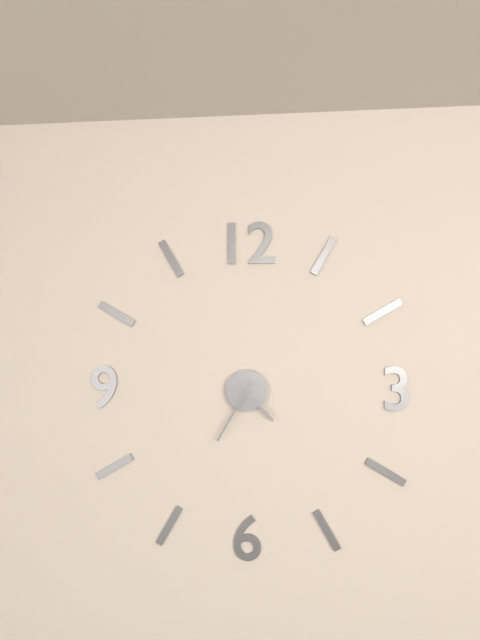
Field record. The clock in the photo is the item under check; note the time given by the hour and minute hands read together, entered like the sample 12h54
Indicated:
4h35
